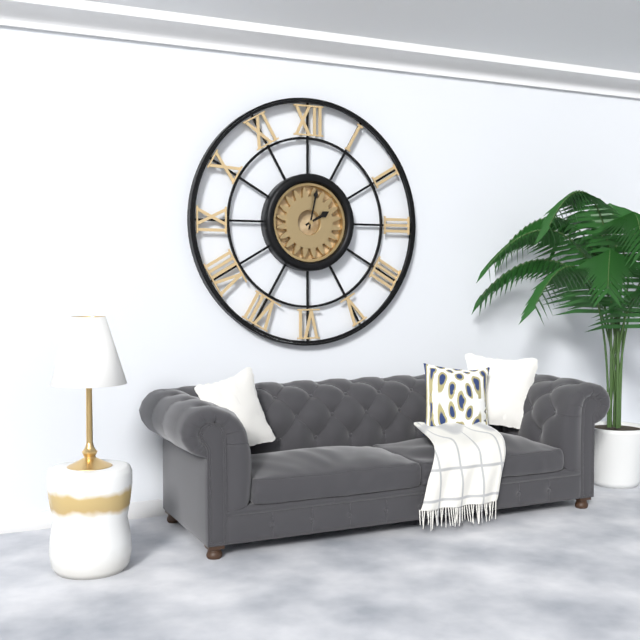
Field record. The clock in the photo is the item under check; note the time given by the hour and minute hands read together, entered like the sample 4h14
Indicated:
2h02
